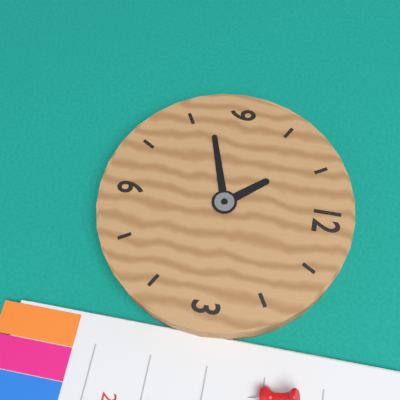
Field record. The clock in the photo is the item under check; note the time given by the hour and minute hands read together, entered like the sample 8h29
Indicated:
10h42
